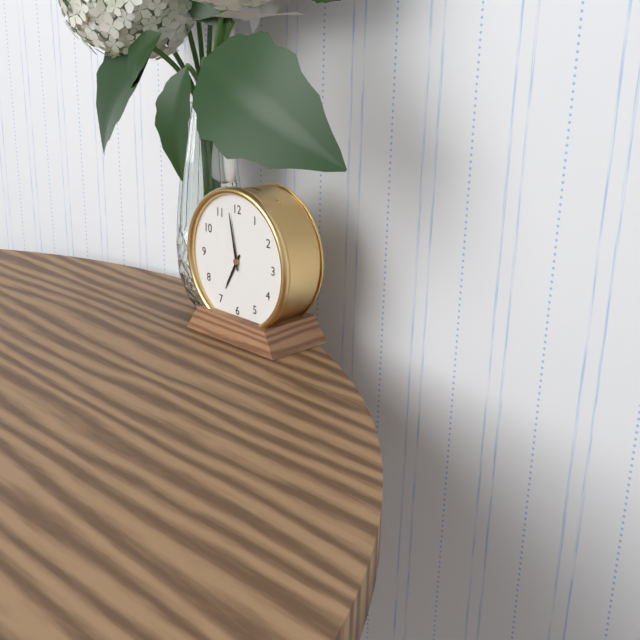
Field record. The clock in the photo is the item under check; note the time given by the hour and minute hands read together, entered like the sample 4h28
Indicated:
6h58
